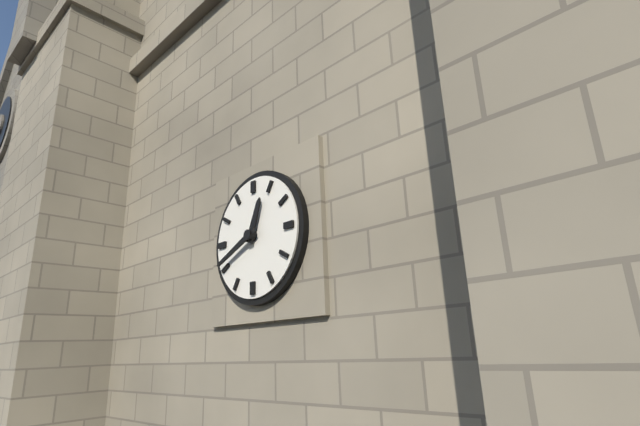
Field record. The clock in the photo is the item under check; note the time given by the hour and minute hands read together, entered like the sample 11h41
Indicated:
12h41
